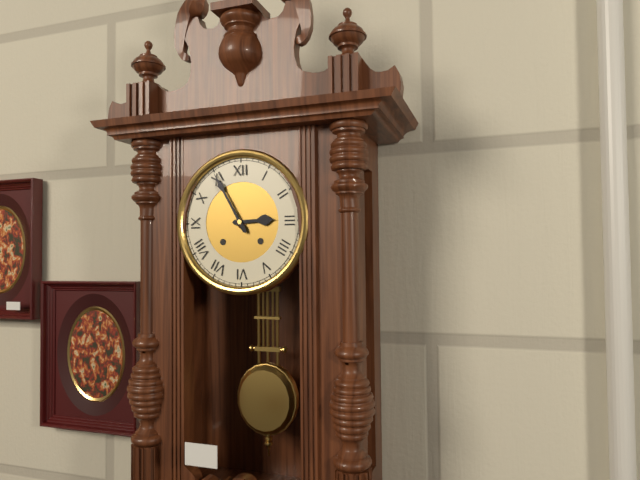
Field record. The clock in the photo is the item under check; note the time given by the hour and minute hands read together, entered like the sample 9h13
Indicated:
2h55
